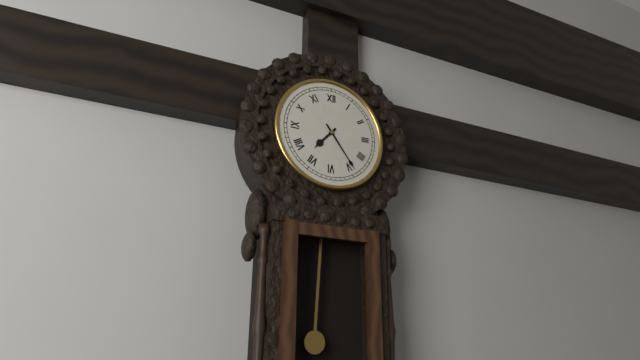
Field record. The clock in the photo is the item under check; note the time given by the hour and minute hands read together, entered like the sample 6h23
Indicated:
7h24
